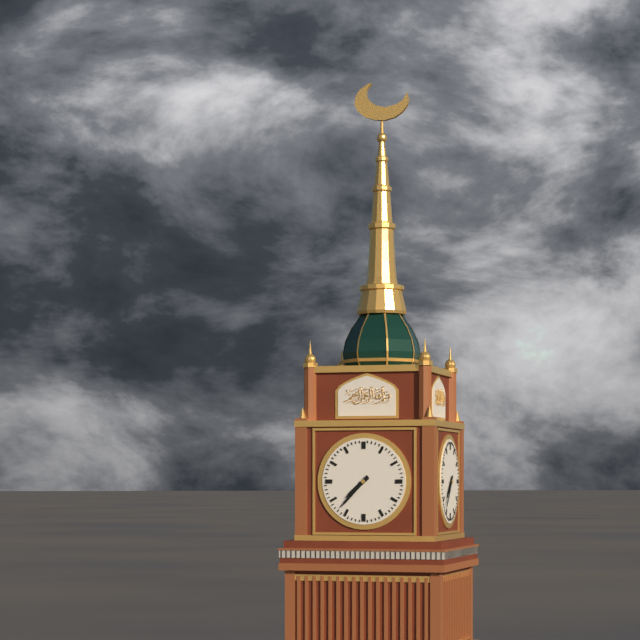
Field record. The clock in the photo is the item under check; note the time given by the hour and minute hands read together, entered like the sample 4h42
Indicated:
7h37
